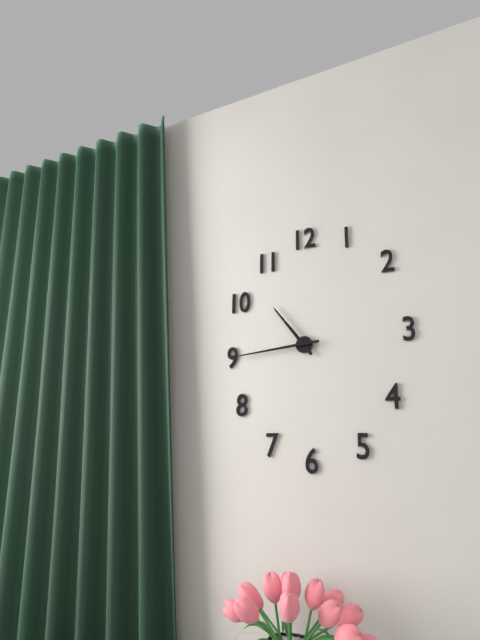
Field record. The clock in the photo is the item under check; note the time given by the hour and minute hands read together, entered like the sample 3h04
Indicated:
10h44
